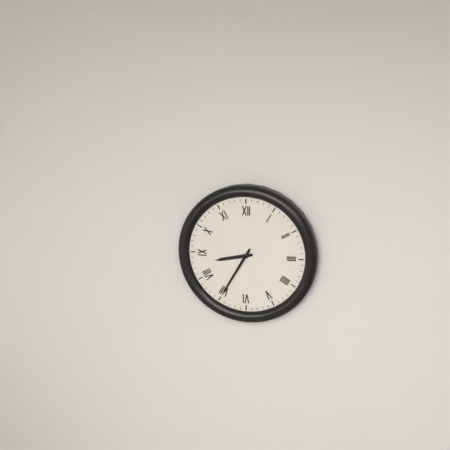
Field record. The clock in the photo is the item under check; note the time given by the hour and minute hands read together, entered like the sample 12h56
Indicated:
8h35
